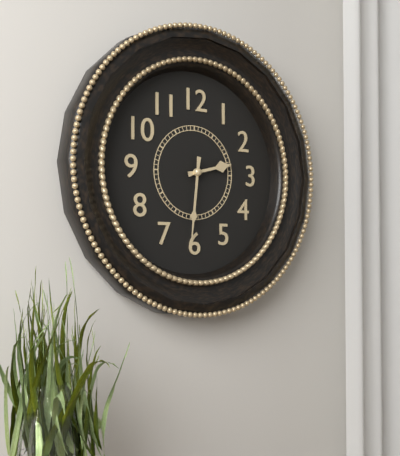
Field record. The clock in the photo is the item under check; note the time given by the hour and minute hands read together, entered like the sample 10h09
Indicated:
2h31
